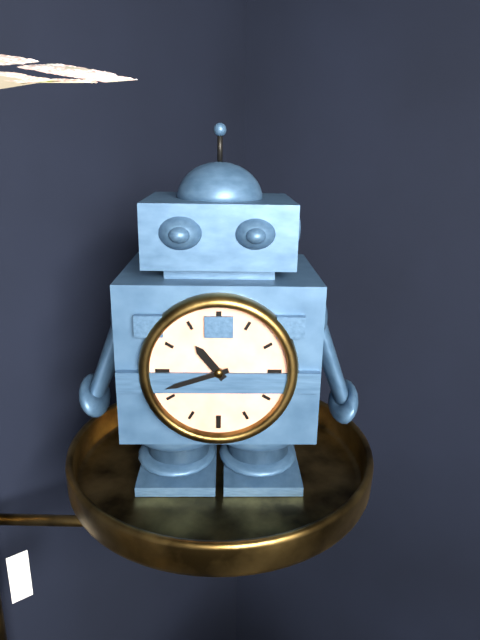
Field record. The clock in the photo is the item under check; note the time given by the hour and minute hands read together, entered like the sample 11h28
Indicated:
10h42
